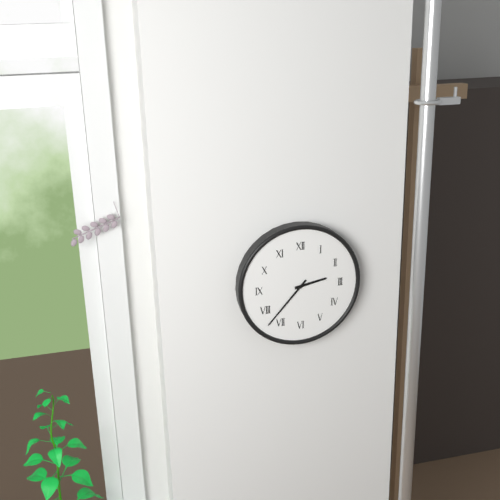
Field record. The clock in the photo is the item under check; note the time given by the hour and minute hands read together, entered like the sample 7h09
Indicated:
2h37
